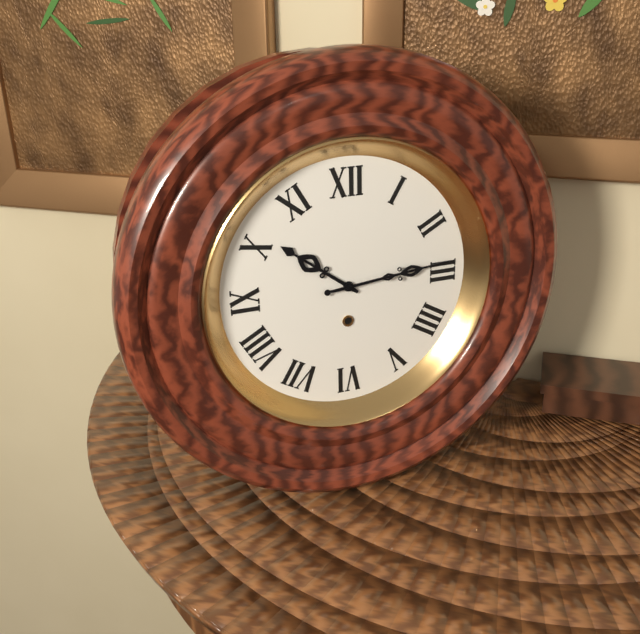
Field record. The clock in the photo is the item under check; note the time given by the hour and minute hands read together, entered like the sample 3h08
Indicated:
10h14
